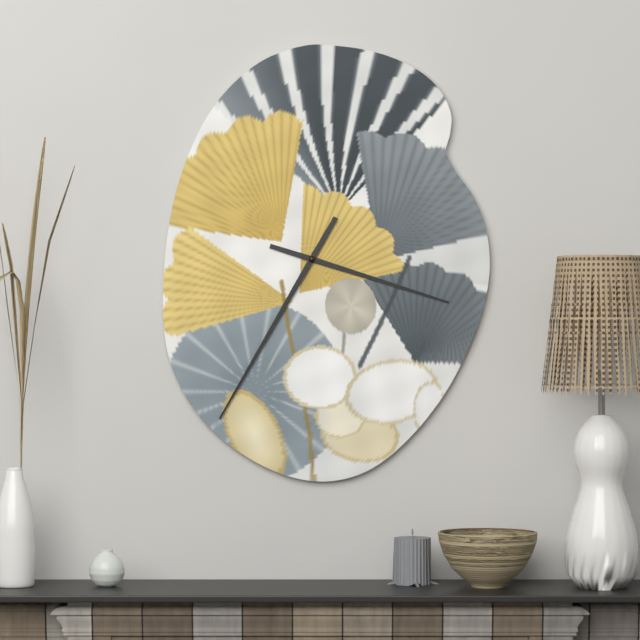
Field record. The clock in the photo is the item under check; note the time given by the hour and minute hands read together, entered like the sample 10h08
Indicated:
3h35
